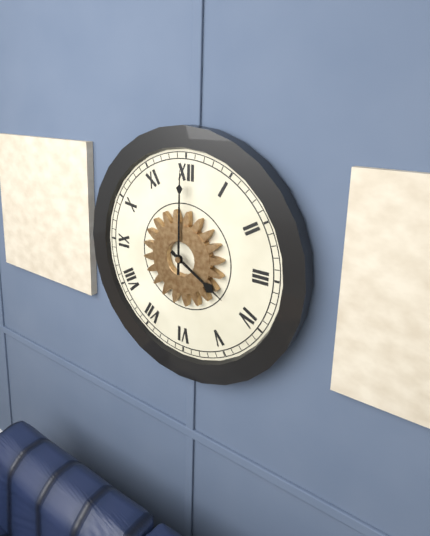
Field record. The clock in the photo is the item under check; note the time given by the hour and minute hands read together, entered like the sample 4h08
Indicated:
4h00
